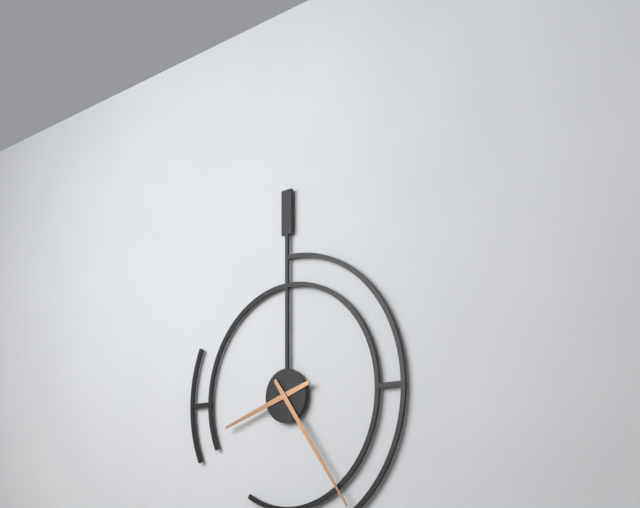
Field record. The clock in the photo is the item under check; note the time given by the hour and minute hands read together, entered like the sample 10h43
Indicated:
8h24
